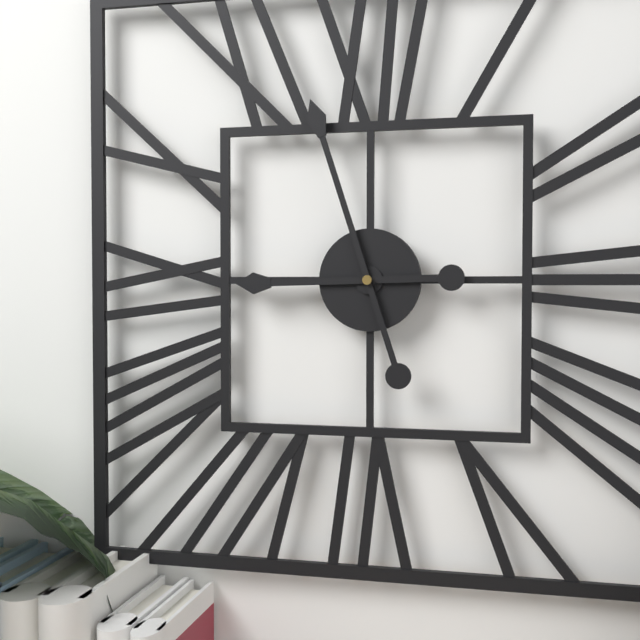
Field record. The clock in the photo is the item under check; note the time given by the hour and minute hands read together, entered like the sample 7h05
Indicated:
8h57
